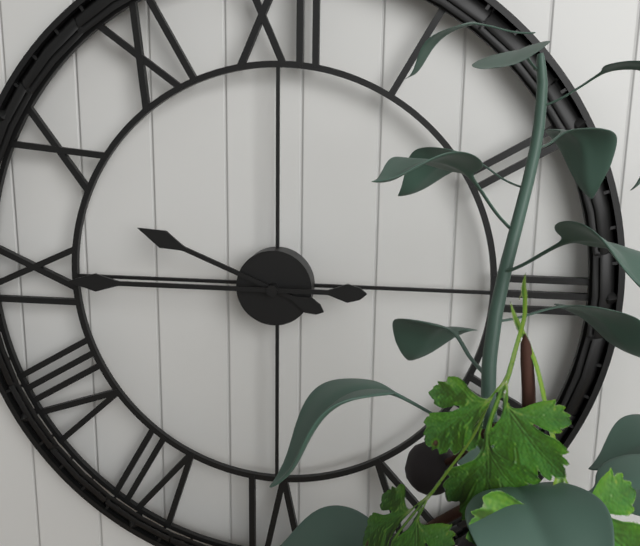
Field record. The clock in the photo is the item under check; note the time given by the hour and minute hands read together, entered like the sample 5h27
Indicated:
9h45
